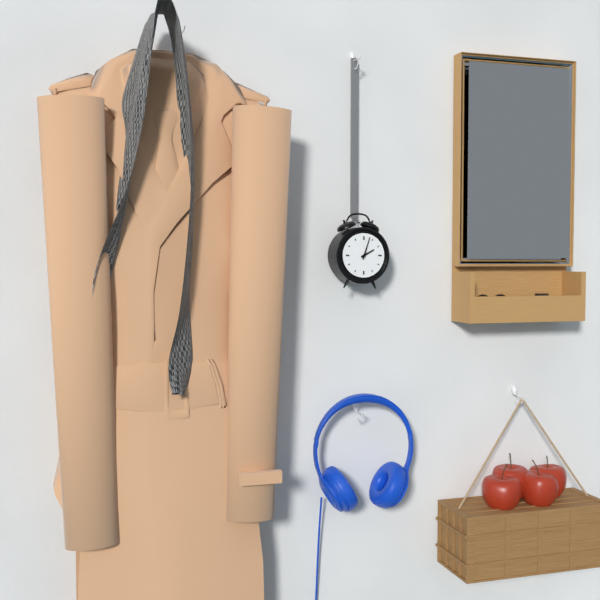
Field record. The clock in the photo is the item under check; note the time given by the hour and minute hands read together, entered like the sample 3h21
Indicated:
2h03
